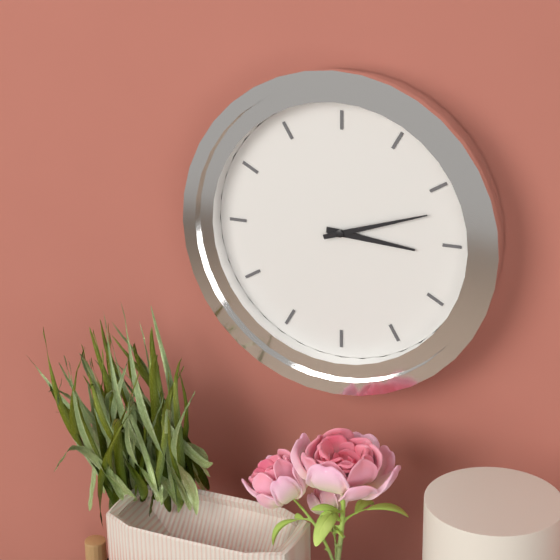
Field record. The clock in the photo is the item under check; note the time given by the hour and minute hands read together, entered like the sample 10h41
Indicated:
3h12
